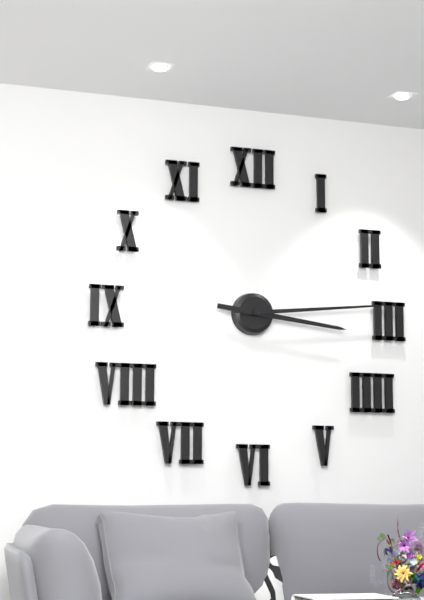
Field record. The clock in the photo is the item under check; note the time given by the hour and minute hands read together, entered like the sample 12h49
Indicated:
3h14
